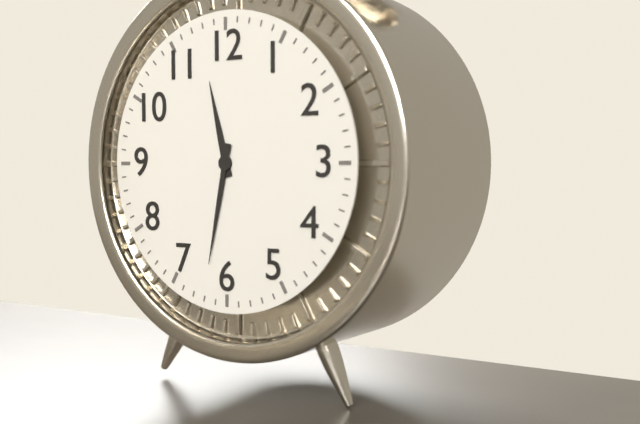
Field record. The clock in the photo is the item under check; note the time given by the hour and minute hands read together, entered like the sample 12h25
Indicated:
11h32
